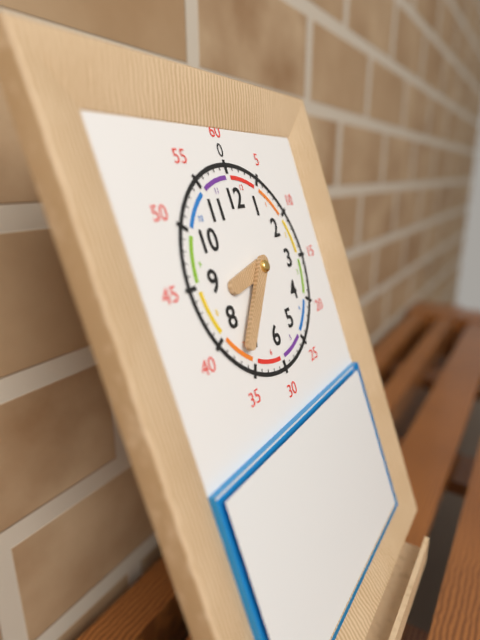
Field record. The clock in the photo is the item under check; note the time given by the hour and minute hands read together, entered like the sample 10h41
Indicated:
8h37
